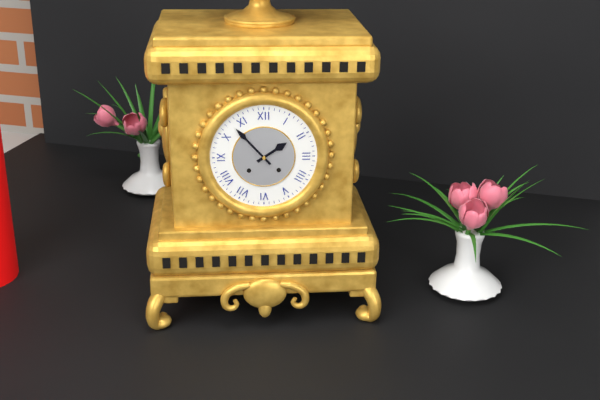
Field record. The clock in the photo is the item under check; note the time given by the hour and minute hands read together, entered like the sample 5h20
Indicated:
1h53
